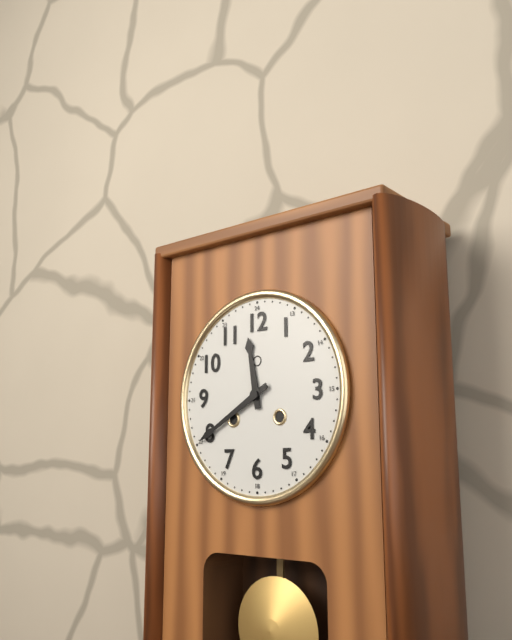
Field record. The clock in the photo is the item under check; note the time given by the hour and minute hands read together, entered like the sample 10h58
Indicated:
11h40
